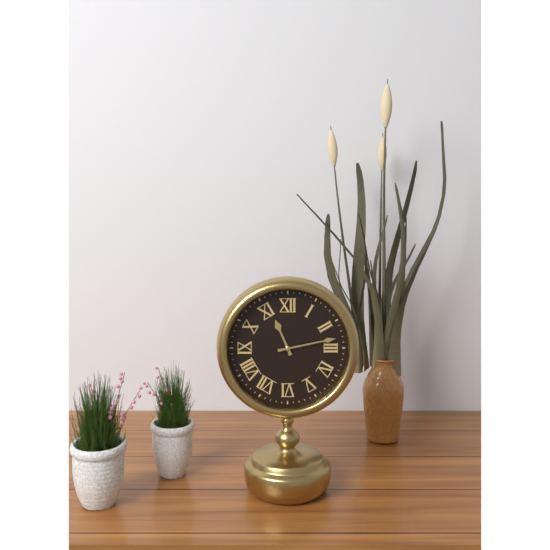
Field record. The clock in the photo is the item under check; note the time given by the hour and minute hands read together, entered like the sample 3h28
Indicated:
11h13
